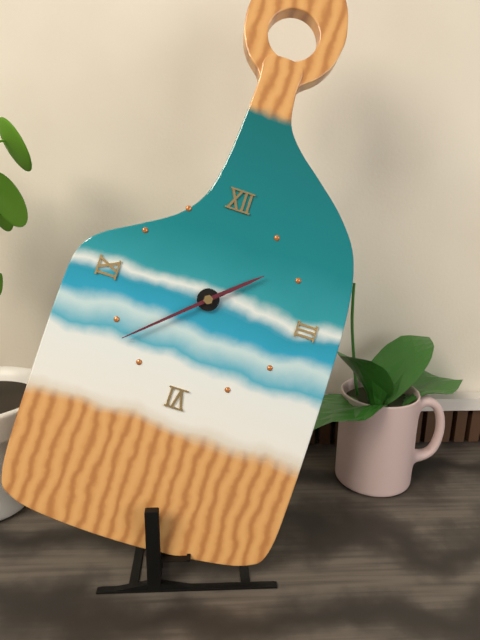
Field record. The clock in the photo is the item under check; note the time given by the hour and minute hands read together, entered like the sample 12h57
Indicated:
1h38
